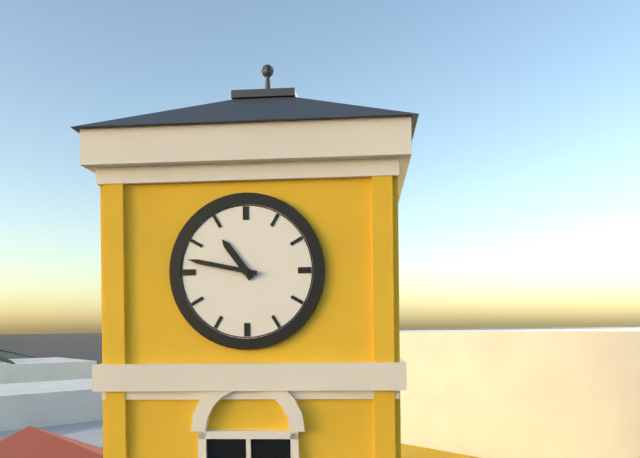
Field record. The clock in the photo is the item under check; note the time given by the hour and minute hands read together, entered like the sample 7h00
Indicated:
10h47
